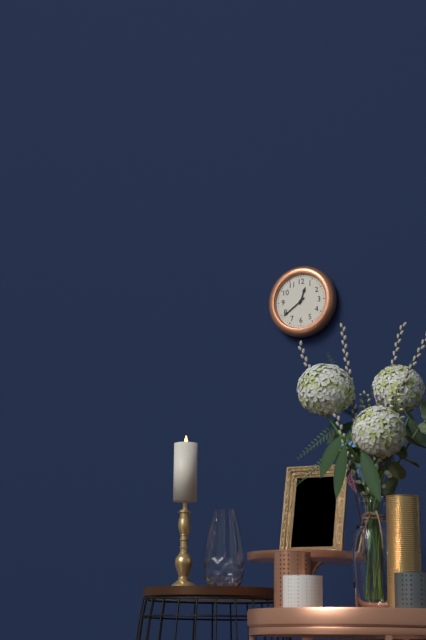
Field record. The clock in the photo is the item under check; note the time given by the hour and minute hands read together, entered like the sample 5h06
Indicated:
12h39
